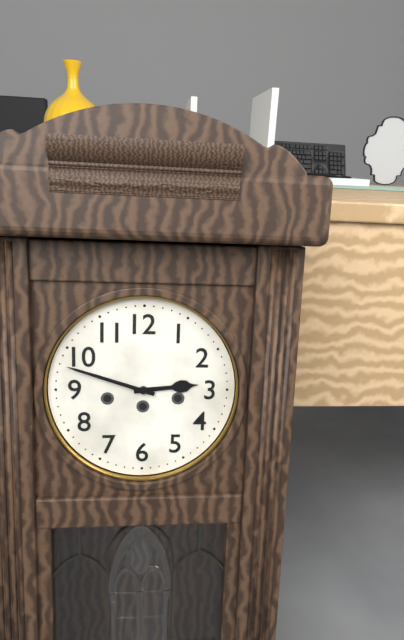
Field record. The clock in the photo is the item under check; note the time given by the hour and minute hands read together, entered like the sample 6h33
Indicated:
2h48
